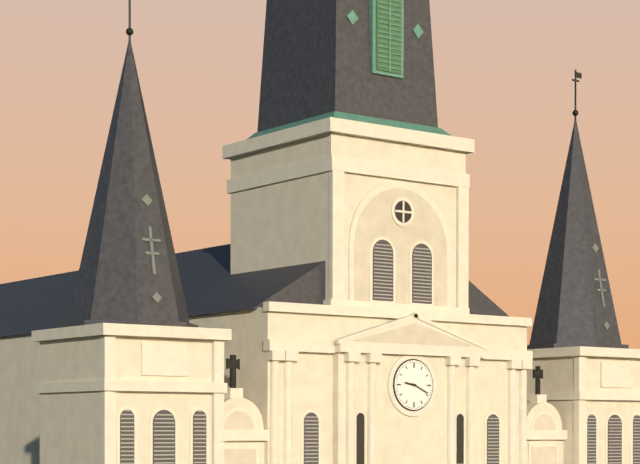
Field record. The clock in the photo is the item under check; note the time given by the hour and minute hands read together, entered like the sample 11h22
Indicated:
9h19
